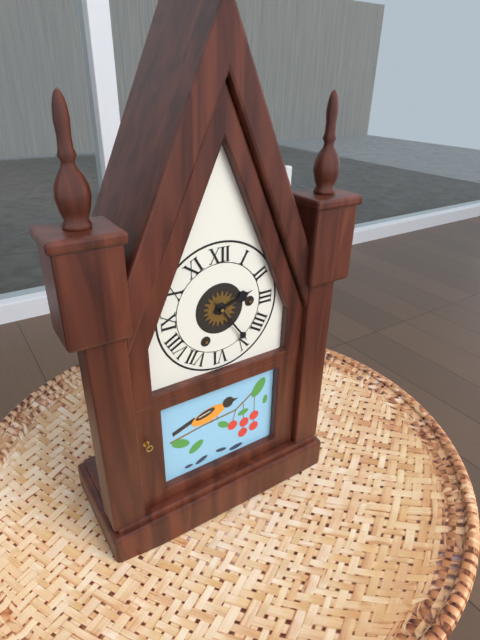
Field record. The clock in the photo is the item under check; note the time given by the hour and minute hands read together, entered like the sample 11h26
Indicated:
2h24
